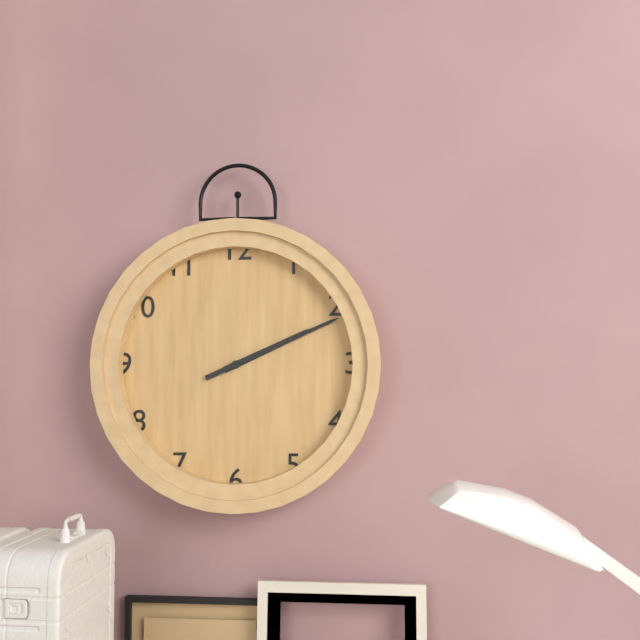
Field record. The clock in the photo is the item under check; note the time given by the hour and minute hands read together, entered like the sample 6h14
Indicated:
2h11
